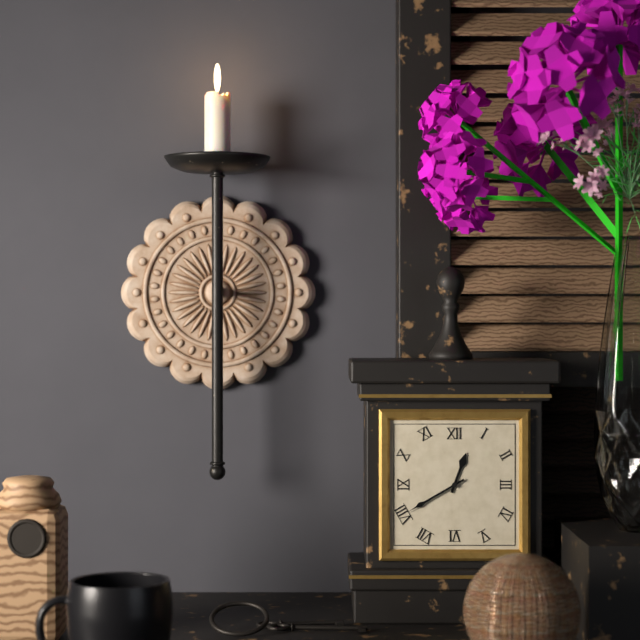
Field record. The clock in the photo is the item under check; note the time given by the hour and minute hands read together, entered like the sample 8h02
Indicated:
12h40
